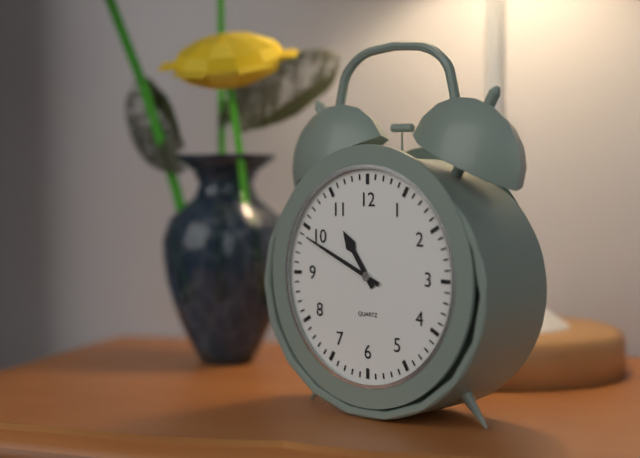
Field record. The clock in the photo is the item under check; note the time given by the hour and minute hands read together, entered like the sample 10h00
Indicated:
10h49
